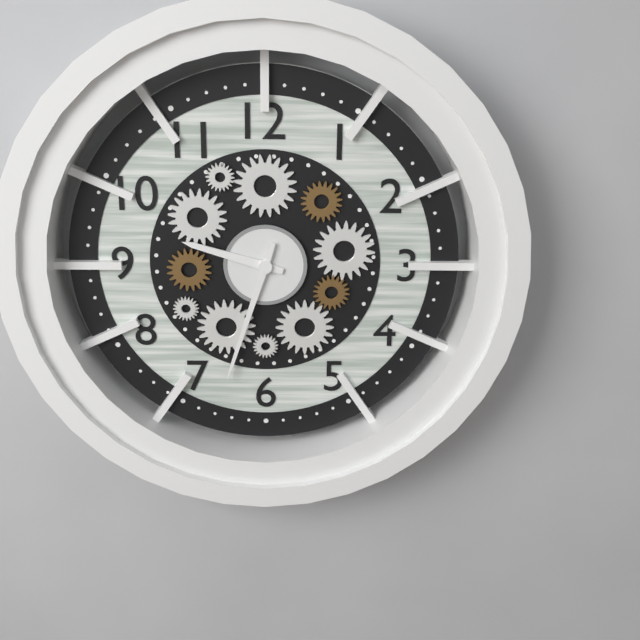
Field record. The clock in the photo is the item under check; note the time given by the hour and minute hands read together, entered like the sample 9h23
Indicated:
9h33
